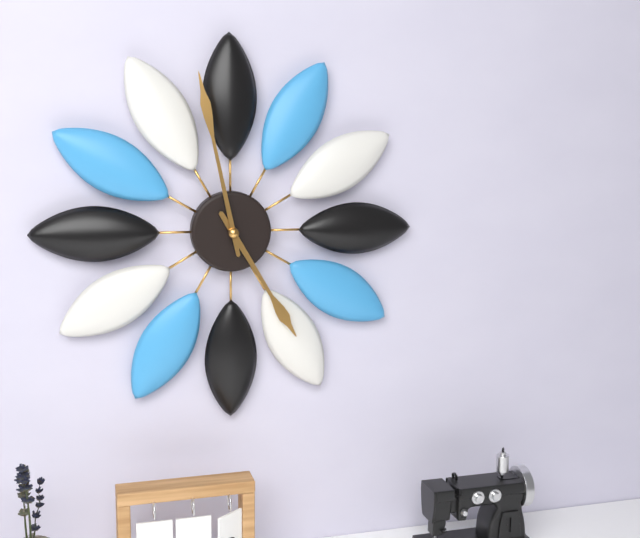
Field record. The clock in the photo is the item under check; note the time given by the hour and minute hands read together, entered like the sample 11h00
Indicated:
4h58
